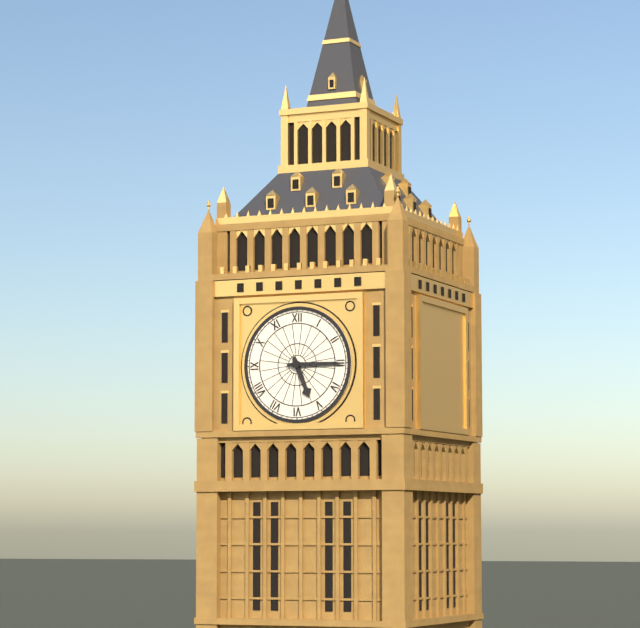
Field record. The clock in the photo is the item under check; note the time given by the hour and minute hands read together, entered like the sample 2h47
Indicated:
5h15
